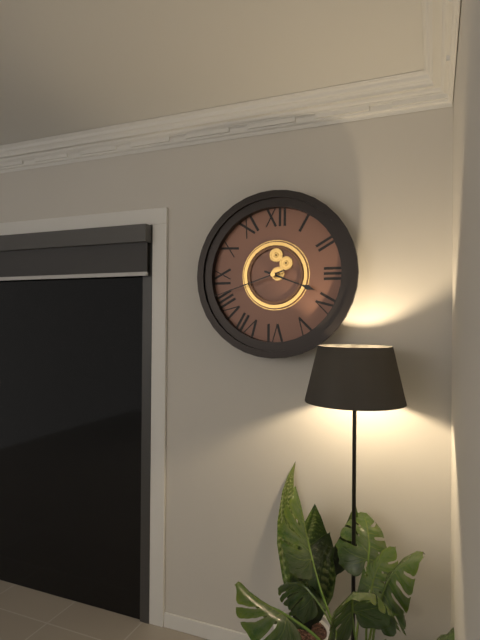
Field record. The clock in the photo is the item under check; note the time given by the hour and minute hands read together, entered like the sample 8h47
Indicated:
3h42
